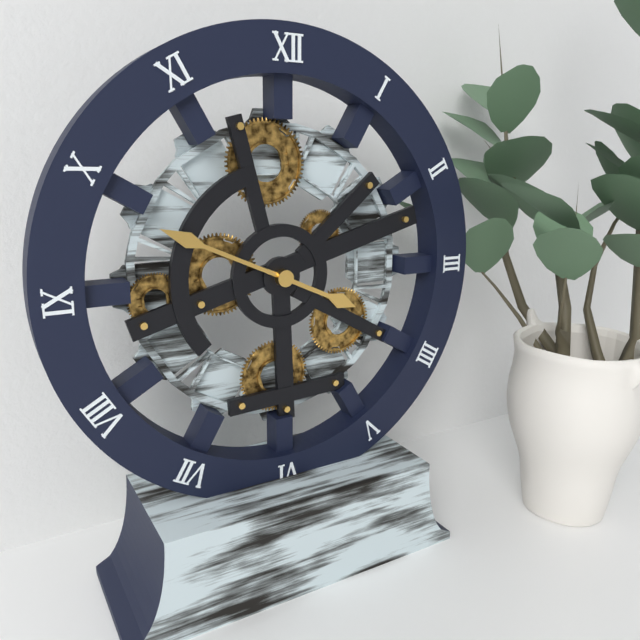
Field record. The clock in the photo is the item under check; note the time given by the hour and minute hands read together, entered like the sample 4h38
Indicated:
3h49
